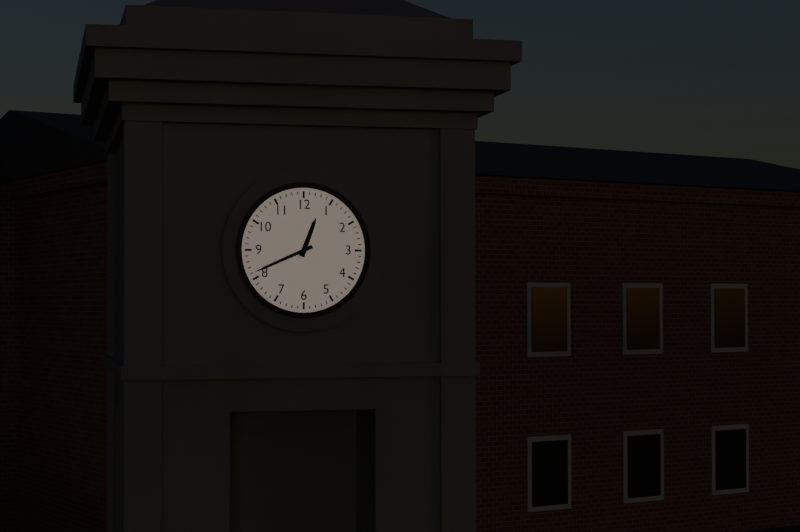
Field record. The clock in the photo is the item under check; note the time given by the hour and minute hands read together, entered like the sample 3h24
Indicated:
12h41
